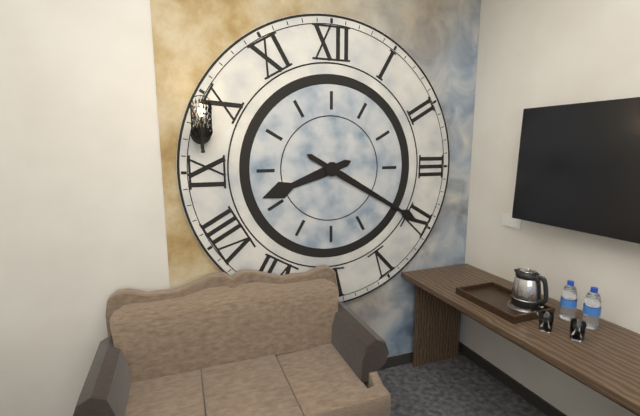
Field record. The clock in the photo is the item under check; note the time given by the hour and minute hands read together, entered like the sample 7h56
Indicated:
8h20
